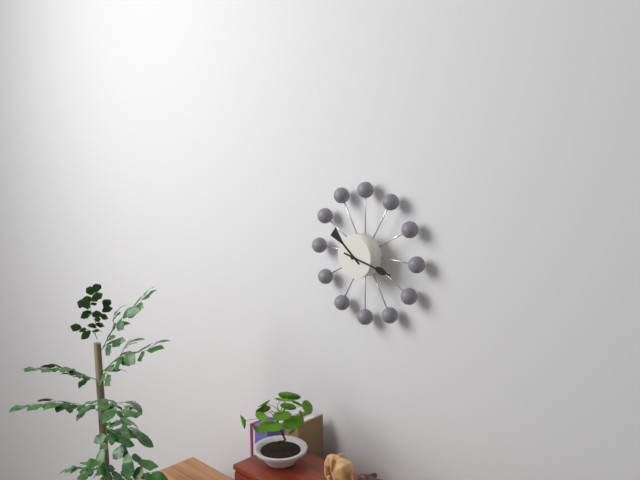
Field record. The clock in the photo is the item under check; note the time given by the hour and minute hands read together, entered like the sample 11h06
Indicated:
10h17
